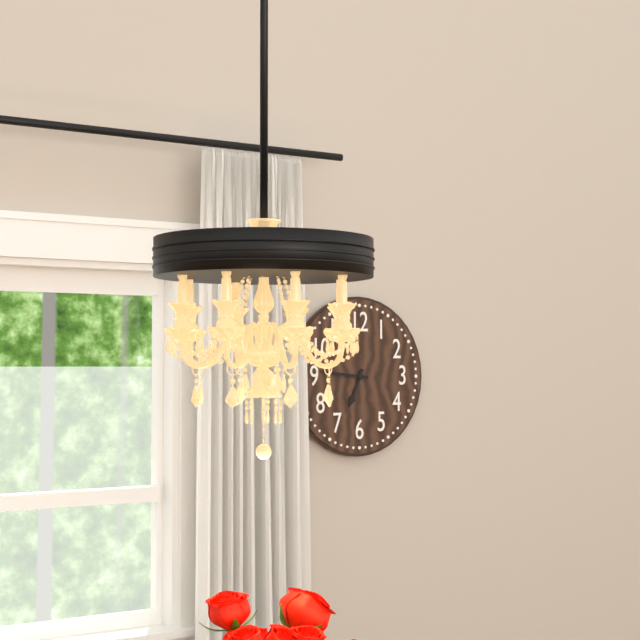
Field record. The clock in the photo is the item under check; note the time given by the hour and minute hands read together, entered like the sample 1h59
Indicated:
6h46
